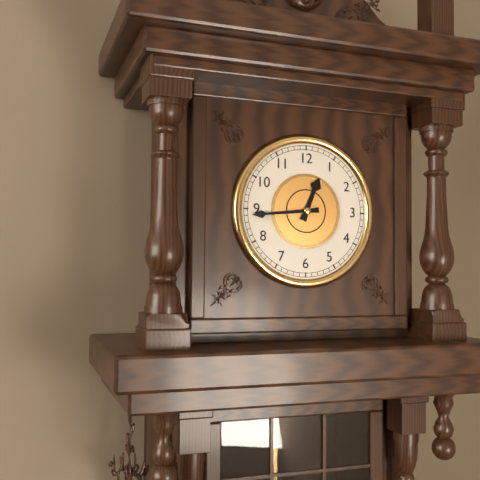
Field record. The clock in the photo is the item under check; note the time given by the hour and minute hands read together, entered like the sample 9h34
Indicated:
12h44
